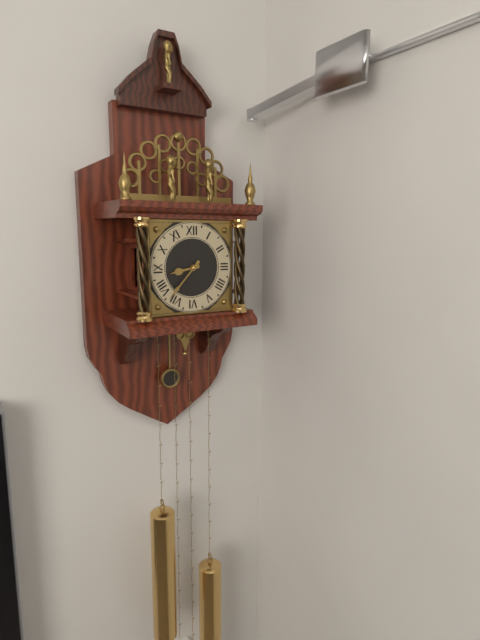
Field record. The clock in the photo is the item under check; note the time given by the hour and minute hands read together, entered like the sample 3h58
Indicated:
8h37
